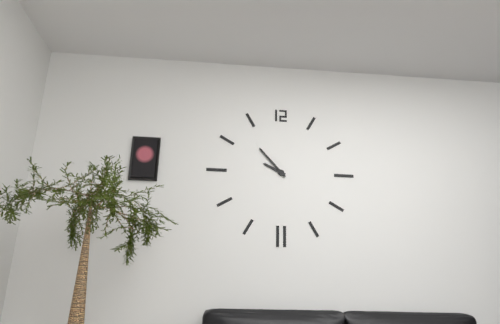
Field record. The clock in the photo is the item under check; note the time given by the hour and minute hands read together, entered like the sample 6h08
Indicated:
9h53
